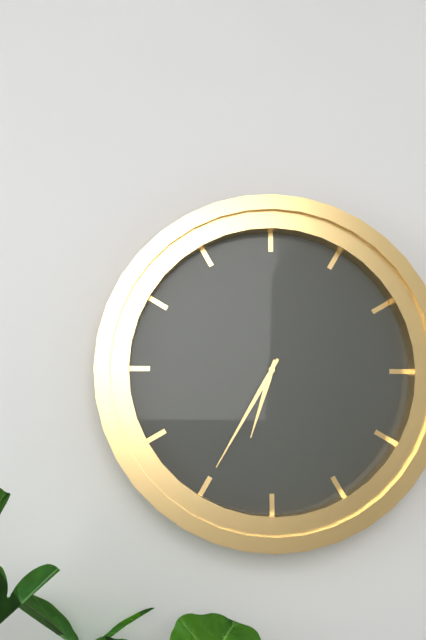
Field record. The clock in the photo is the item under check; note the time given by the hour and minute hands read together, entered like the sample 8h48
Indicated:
6h35
